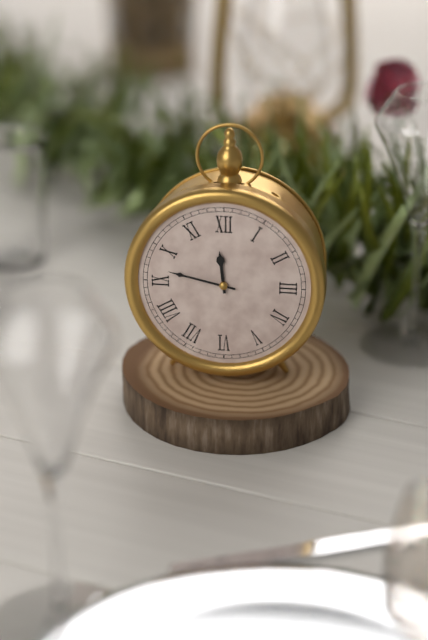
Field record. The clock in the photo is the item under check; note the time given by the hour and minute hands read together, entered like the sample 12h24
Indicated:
11h47
